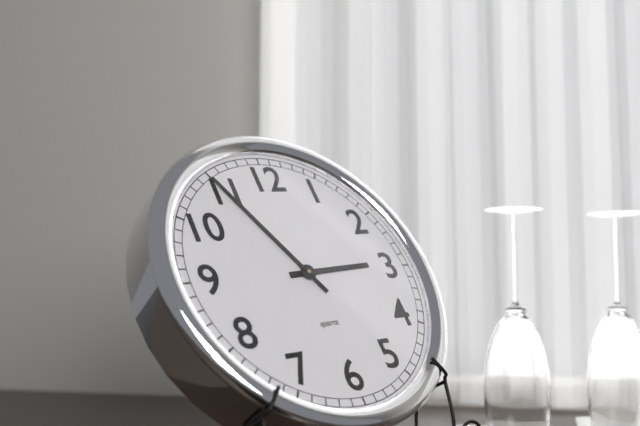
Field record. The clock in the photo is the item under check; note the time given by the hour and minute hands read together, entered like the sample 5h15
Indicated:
2h55
